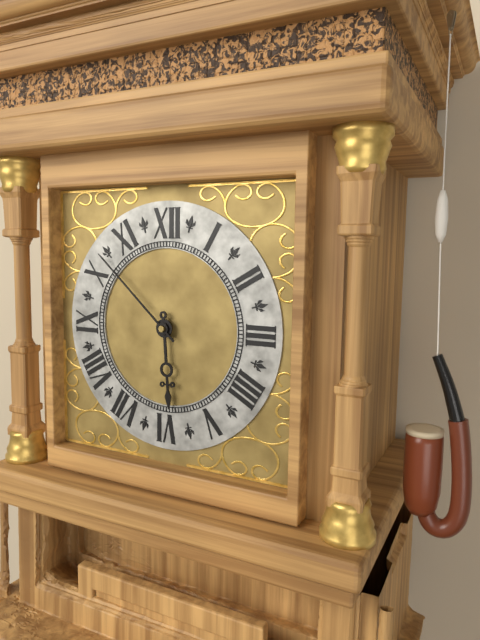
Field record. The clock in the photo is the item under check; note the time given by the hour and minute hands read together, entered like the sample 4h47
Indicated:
5h52
